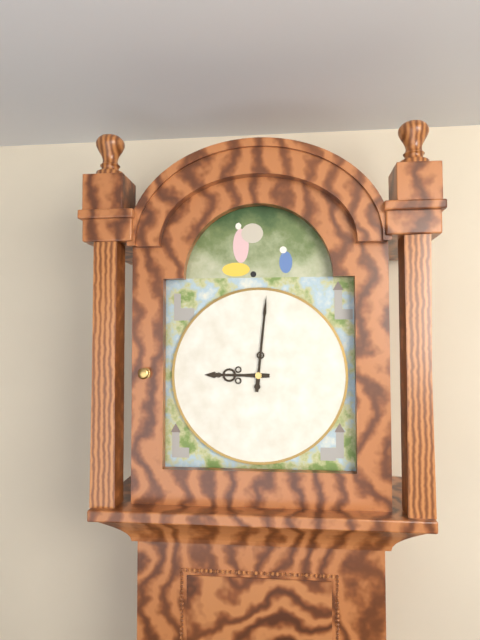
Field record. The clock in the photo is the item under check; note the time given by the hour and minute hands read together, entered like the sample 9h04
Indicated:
9h01
